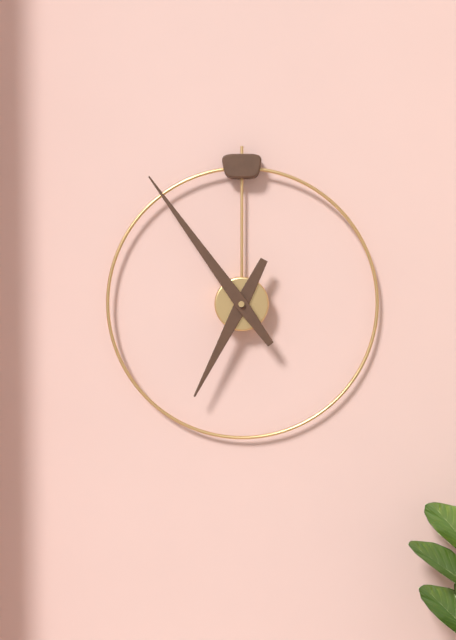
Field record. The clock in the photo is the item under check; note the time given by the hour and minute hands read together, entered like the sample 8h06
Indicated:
6h54
